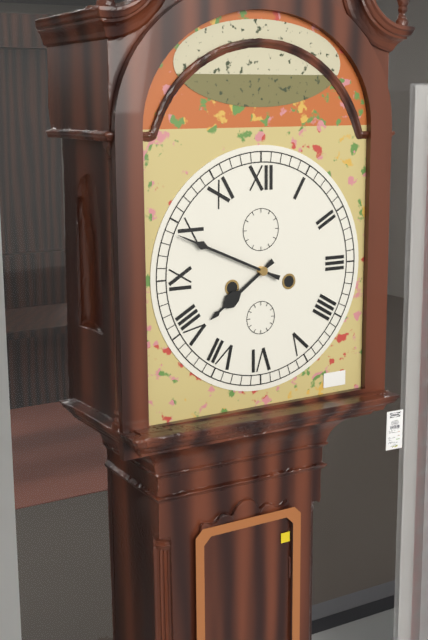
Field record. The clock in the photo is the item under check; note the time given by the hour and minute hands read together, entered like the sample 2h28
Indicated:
7h49
